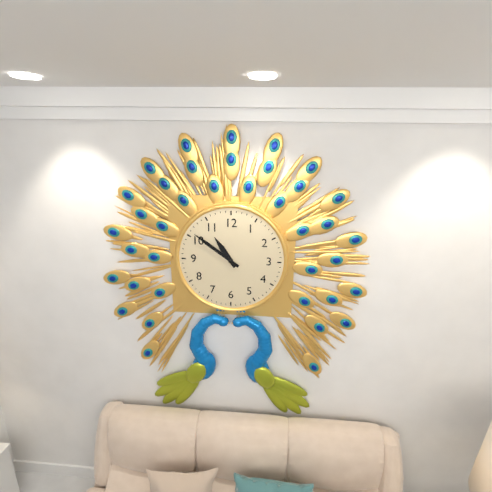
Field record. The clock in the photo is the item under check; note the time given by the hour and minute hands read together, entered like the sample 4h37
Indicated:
10h51
